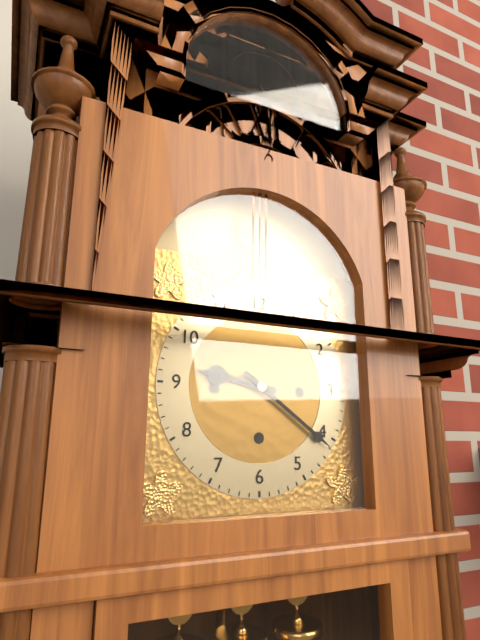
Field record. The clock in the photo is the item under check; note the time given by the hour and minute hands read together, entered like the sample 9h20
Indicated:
9h21
